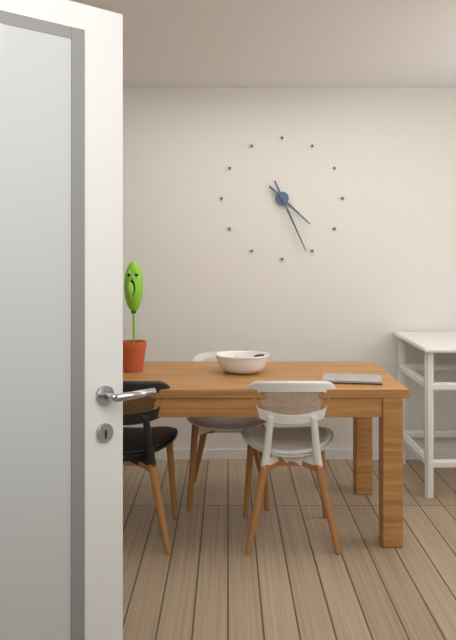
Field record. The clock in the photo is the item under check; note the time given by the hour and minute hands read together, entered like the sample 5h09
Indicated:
4h26
